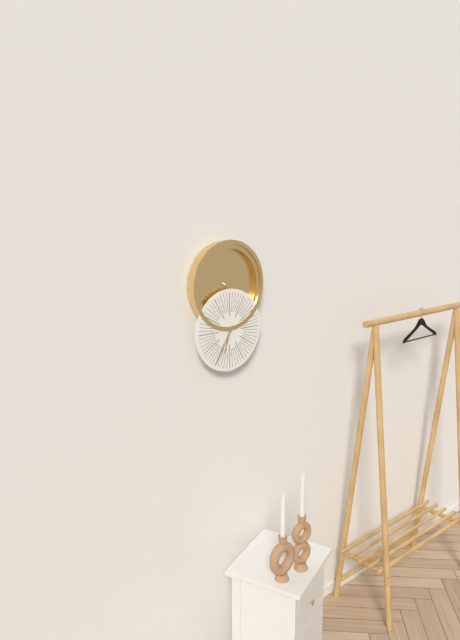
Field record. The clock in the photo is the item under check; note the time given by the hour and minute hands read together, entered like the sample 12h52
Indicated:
6h35
